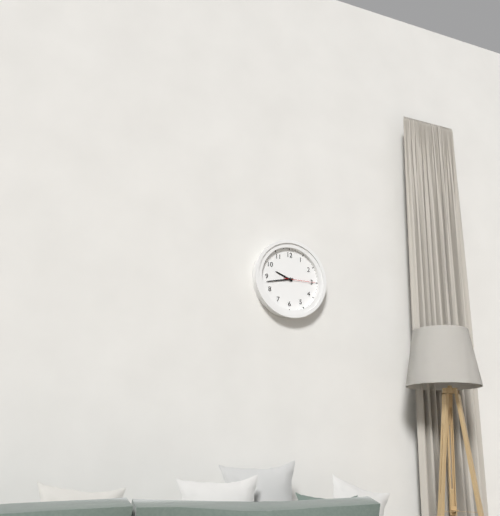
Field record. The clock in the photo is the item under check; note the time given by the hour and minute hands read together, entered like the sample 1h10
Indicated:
9h43
